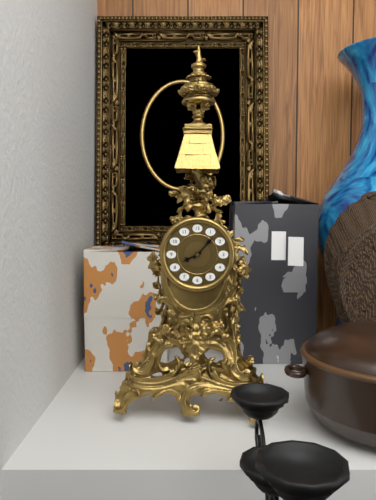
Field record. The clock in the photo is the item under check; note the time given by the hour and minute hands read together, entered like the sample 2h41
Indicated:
8h07
